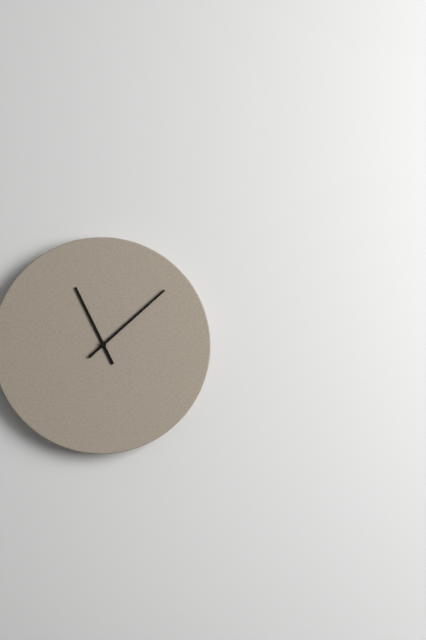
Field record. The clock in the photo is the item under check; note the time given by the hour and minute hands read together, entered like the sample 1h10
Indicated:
11h08
